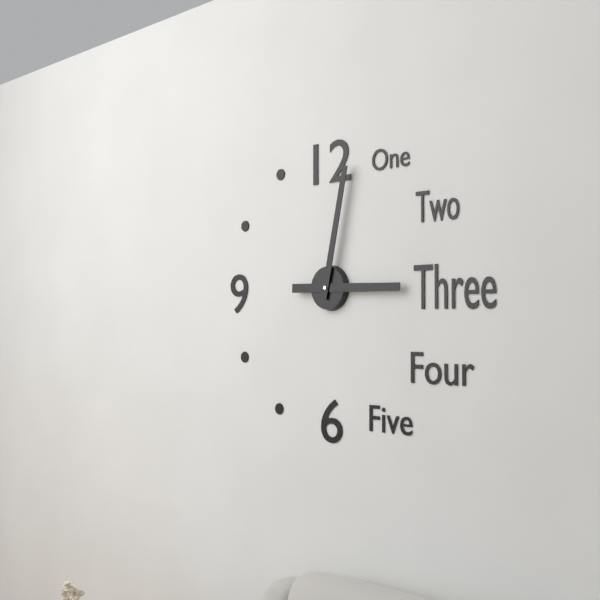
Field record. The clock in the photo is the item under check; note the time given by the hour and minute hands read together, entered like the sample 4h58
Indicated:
3h02
